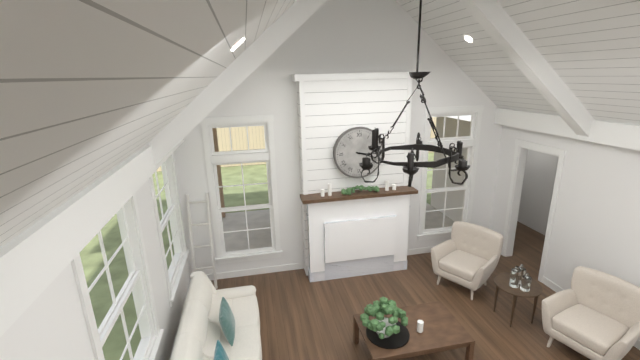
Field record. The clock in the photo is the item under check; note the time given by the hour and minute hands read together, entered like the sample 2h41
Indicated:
3h18
